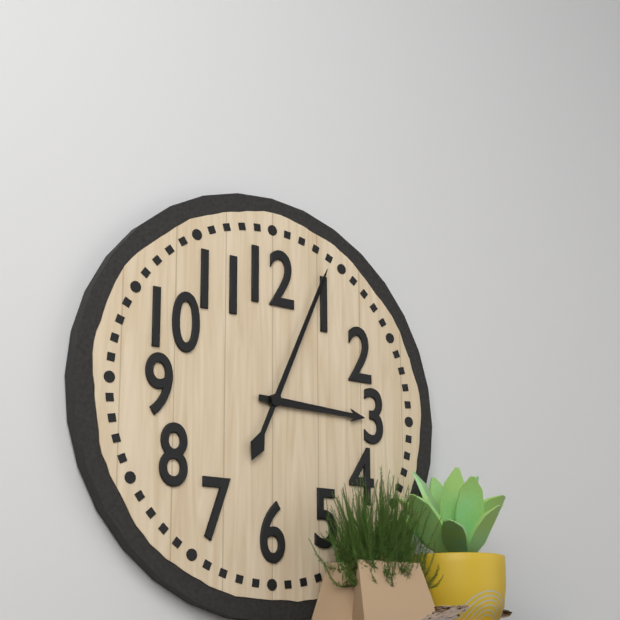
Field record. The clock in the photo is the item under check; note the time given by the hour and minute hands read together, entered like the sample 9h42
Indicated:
3h04
